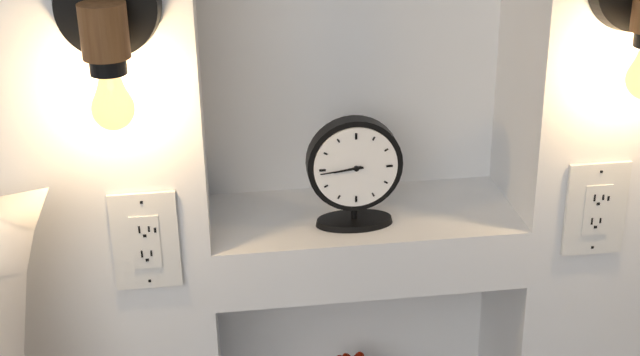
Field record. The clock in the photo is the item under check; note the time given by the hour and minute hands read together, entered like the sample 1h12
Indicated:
8h44
